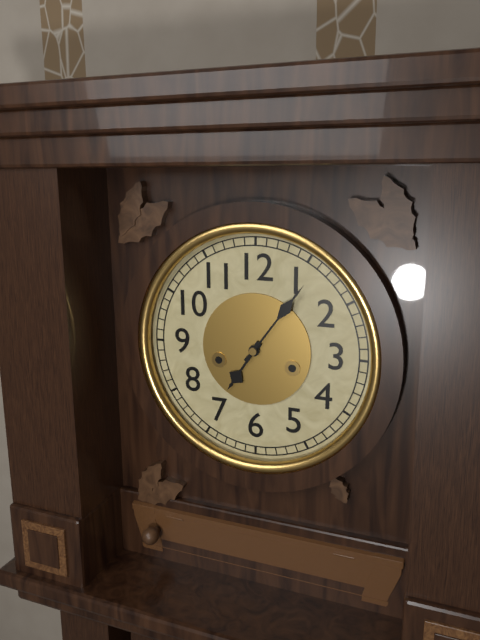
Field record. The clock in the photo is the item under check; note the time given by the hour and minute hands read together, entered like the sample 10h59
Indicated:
7h06
